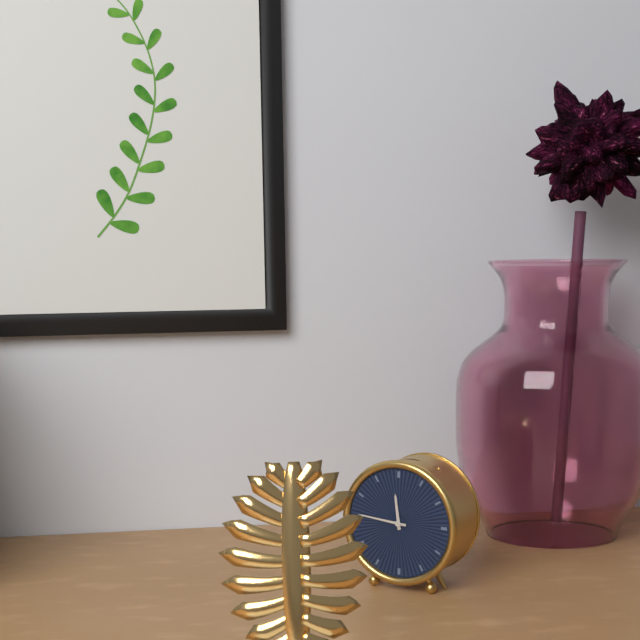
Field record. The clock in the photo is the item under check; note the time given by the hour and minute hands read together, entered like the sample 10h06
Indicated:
11h46
